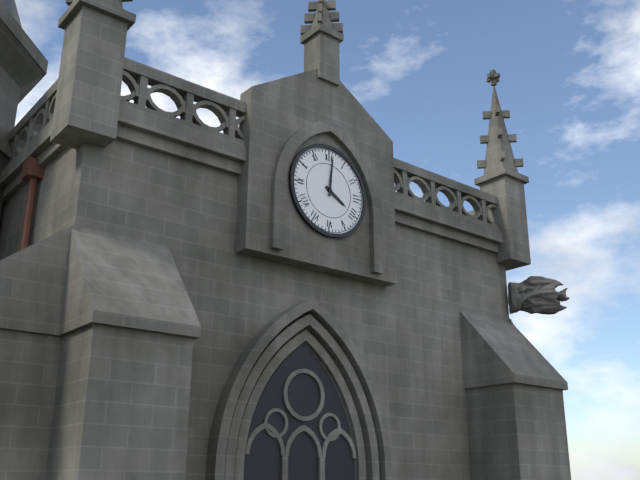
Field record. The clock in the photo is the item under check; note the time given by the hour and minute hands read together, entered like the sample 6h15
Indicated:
4h01
